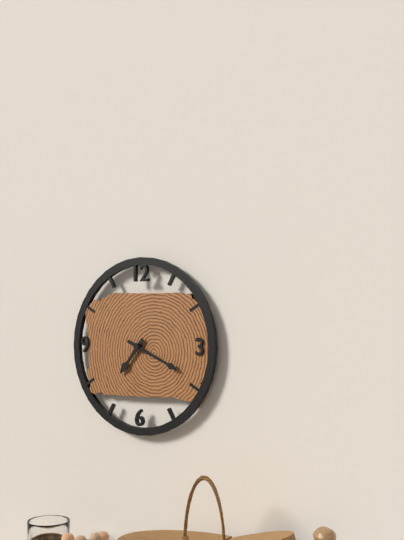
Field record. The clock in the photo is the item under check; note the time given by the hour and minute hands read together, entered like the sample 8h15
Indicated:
7h19
